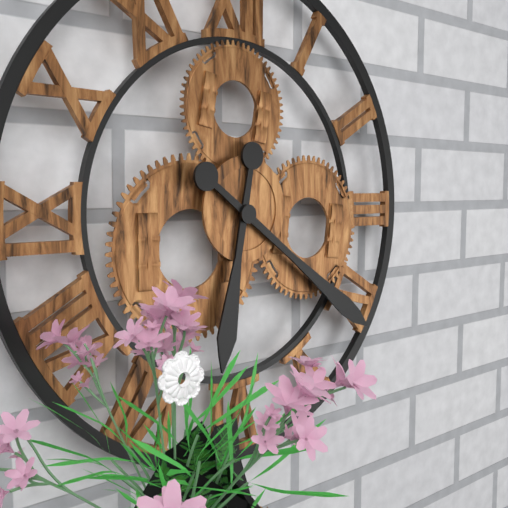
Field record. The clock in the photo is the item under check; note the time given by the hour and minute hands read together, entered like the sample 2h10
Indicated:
6h21
